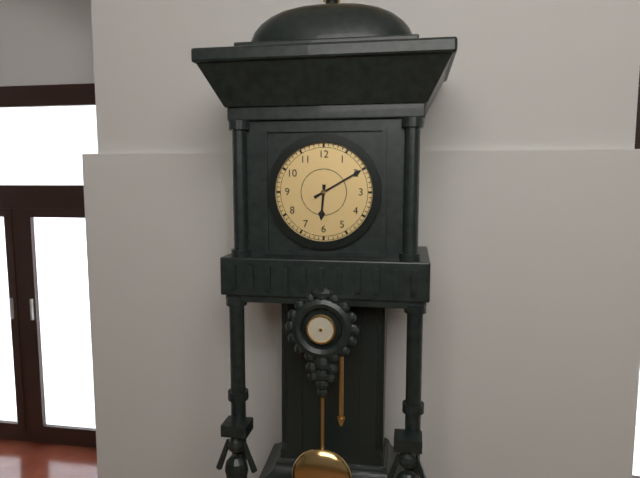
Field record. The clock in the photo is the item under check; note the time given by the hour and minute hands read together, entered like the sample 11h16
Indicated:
6h10
